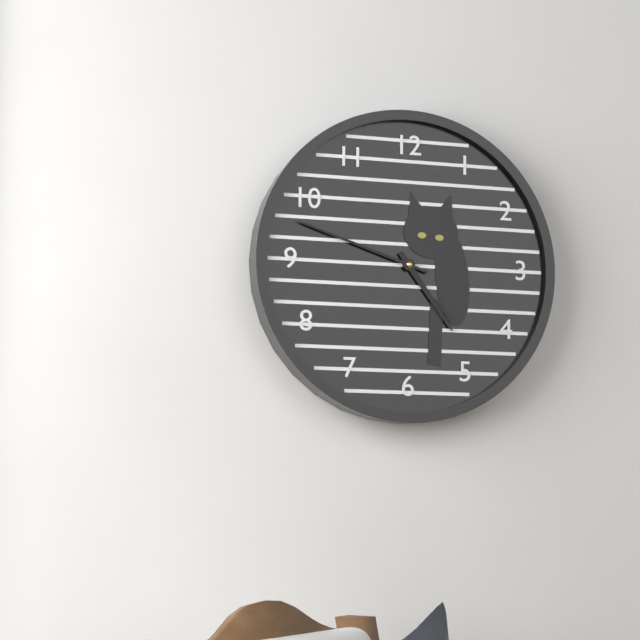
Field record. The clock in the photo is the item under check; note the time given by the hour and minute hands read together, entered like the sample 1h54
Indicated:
4h48
